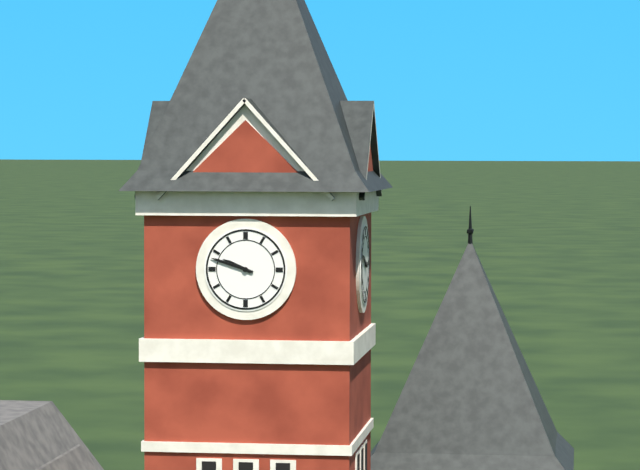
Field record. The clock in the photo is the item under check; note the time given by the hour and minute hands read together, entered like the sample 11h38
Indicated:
9h48
